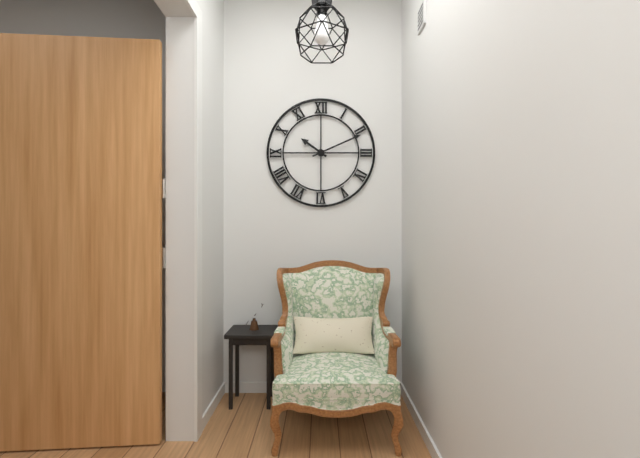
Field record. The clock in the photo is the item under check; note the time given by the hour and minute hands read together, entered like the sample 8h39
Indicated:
10h11
